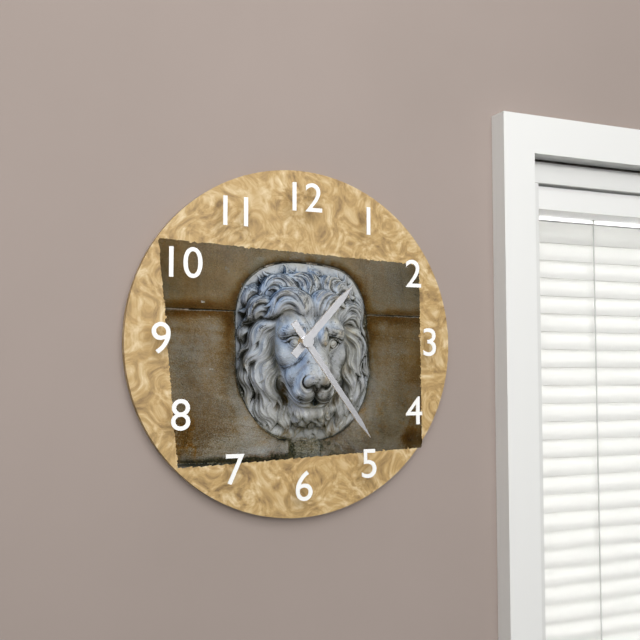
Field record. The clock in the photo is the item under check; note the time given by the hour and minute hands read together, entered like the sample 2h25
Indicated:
1h24
